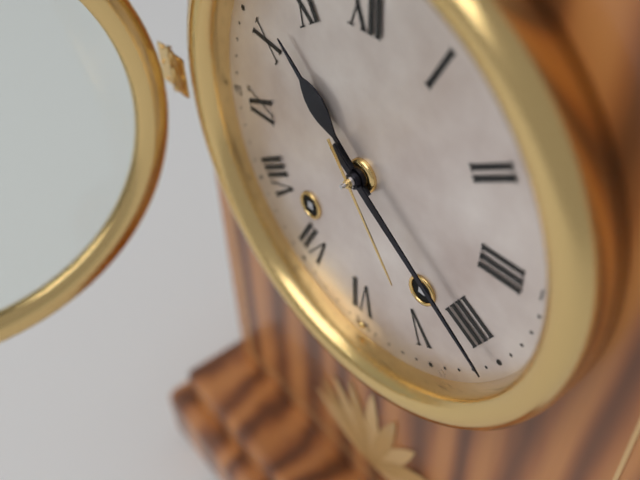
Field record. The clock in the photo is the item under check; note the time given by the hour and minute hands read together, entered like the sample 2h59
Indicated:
10h21
